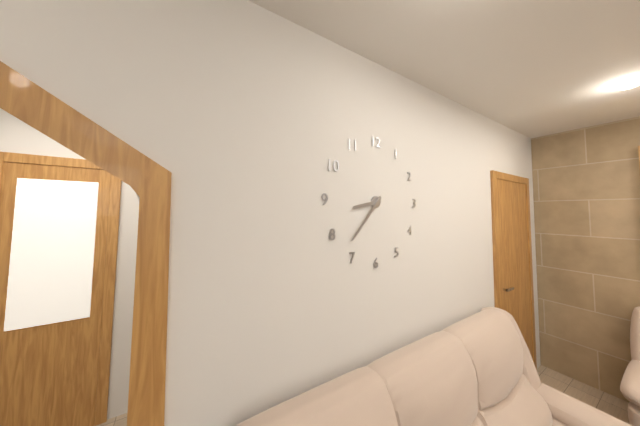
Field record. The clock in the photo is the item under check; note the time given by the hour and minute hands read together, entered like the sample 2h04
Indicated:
8h37
